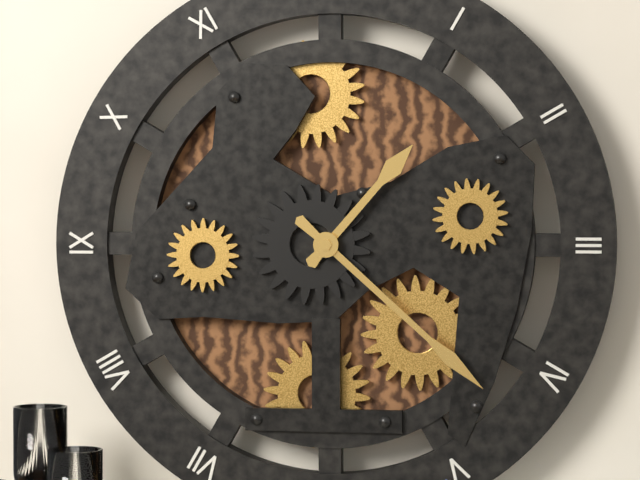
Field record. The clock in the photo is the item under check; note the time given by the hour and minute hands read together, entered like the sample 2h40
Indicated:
1h22
